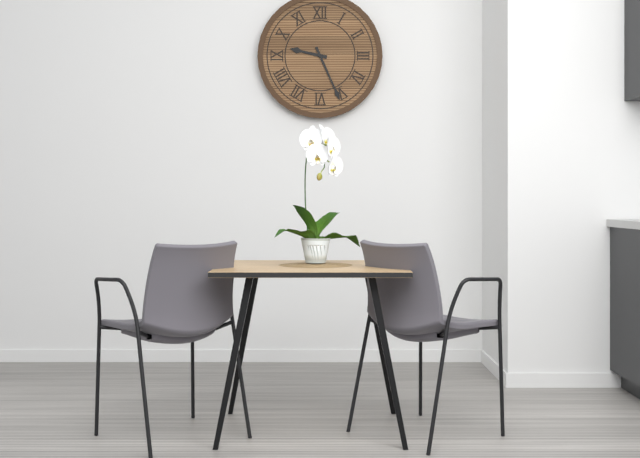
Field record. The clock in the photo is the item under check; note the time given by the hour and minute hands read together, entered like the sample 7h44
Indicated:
9h26
